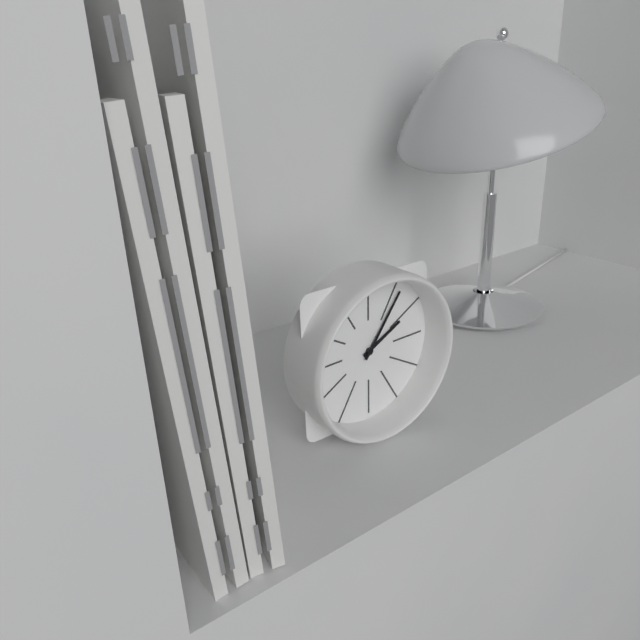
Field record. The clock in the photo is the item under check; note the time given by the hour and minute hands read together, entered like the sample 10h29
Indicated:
2h06
